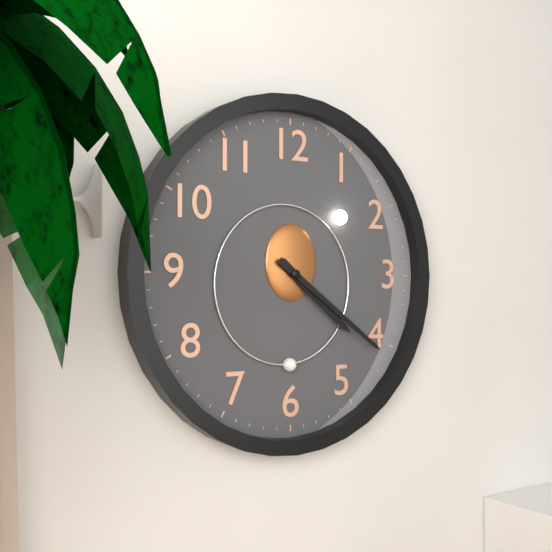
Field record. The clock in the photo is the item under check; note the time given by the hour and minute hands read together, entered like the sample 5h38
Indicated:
4h21
